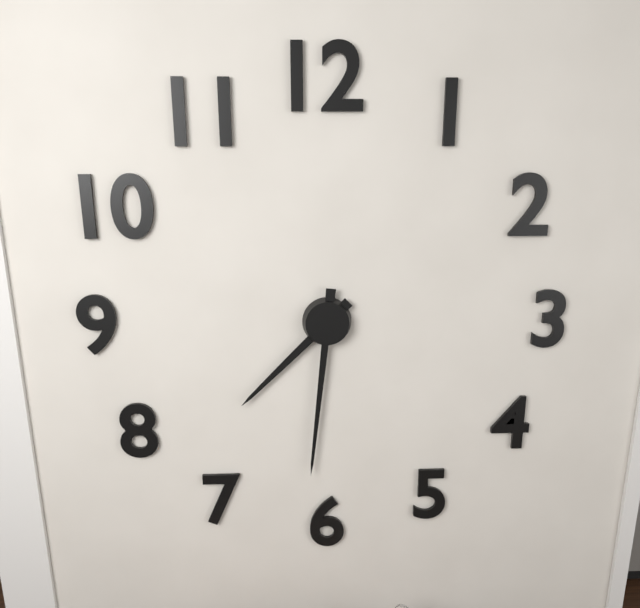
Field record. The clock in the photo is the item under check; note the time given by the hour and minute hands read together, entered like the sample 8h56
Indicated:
7h31
